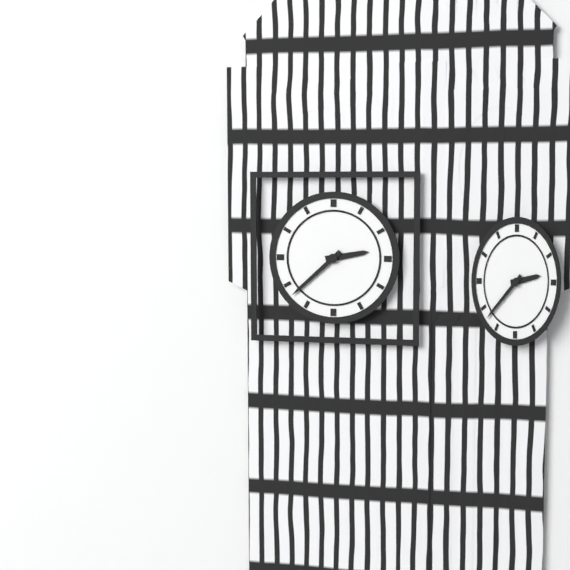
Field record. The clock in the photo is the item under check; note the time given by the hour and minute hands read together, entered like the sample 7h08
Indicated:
2h38
